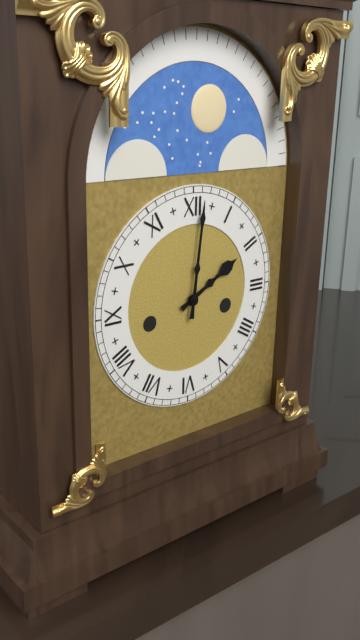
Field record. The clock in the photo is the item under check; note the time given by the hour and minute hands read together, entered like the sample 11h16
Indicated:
2h01
